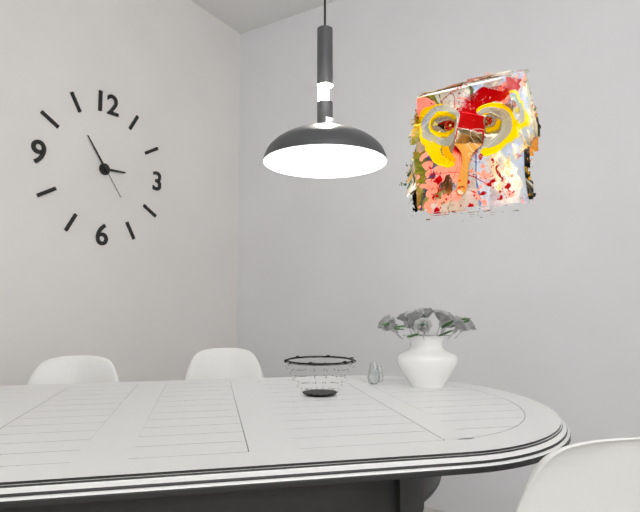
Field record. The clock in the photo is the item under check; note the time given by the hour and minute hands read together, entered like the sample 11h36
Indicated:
2h54
